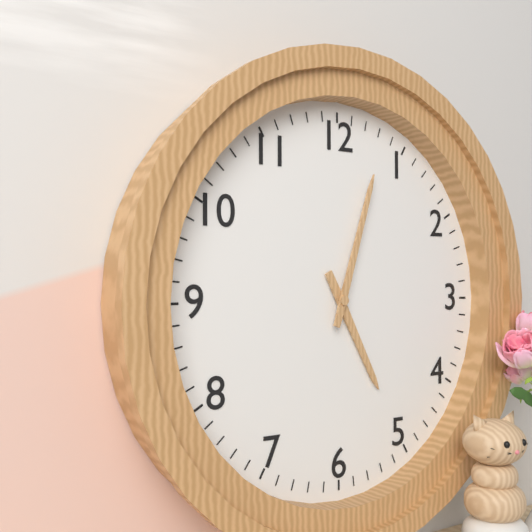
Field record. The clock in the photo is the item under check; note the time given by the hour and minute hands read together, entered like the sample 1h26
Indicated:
5h03
